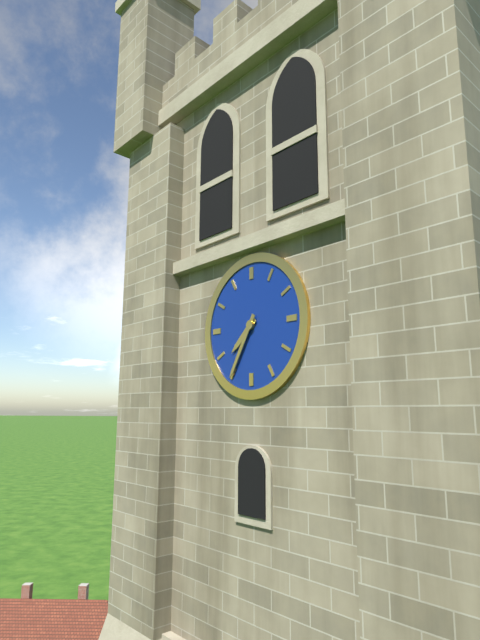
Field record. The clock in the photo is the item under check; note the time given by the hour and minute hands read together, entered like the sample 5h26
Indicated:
7h35
